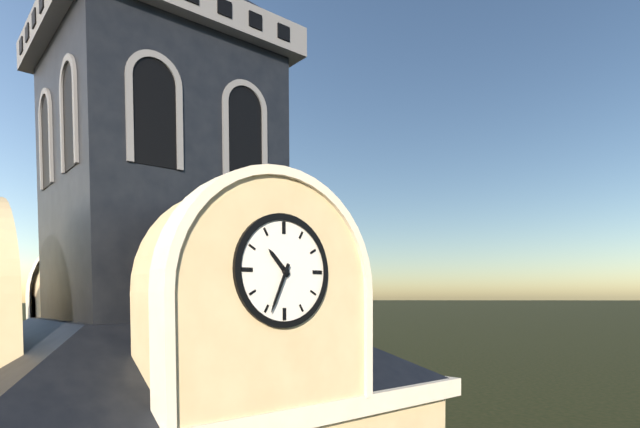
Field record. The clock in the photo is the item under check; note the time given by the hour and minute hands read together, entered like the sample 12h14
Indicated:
10h34
